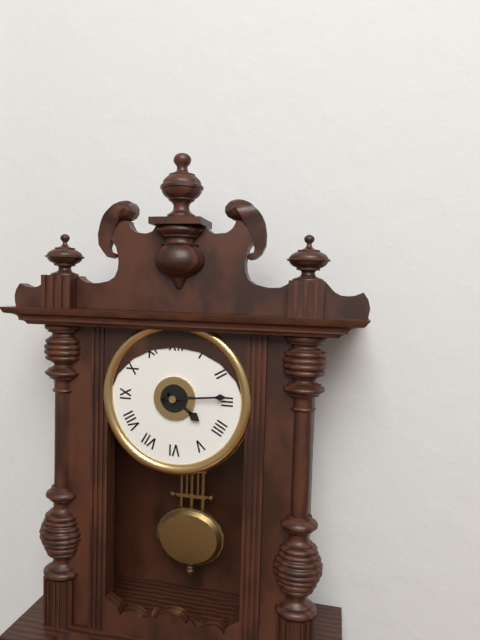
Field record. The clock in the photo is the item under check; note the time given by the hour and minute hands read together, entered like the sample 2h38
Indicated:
4h14
